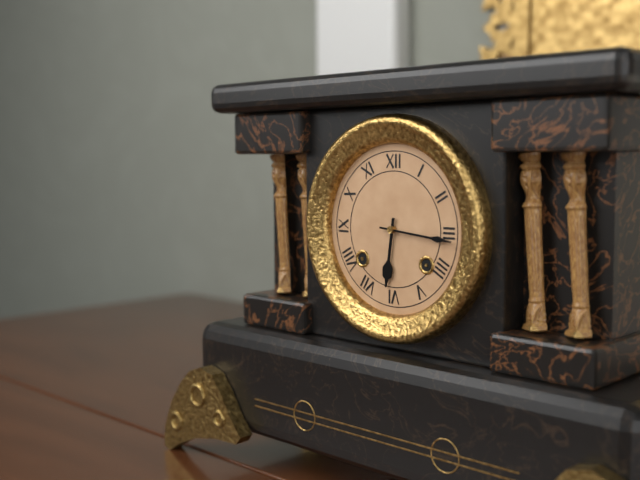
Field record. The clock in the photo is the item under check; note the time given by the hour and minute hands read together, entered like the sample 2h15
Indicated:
6h16
